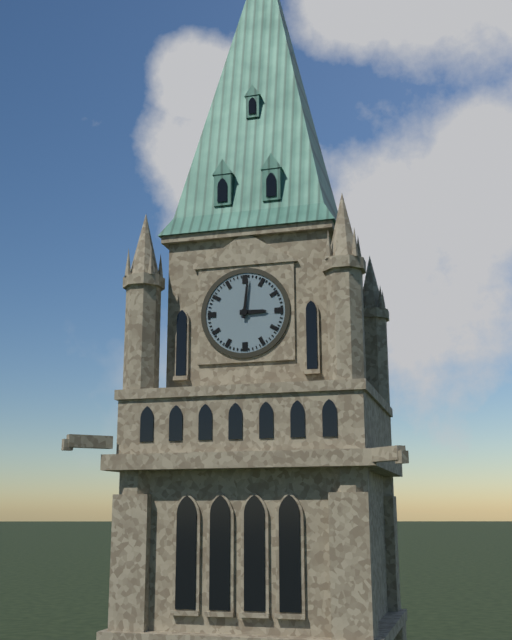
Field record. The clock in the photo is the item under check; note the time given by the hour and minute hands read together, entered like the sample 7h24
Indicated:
3h01
